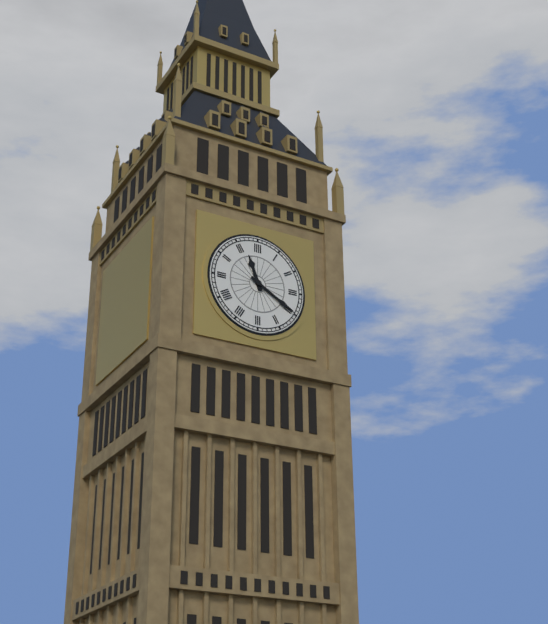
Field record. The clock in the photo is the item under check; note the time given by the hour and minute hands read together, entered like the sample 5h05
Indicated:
11h20
